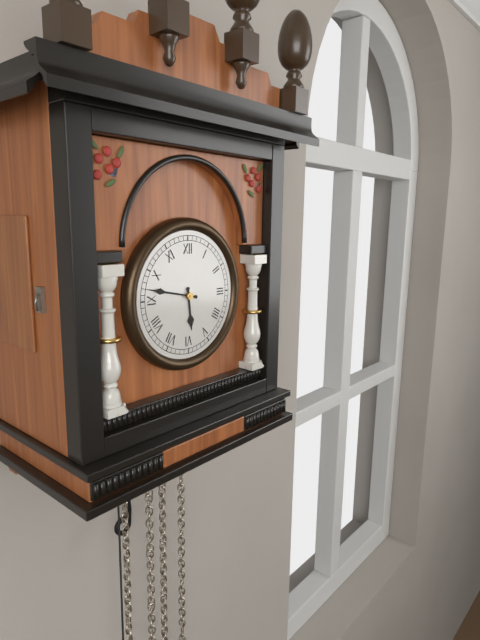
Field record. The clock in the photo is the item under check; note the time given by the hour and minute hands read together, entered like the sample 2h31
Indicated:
5h47
